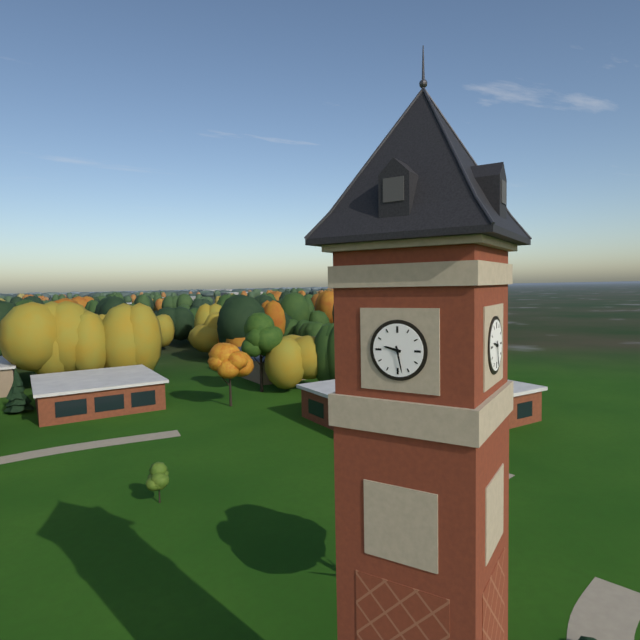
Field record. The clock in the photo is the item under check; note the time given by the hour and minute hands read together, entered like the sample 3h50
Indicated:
9h28
